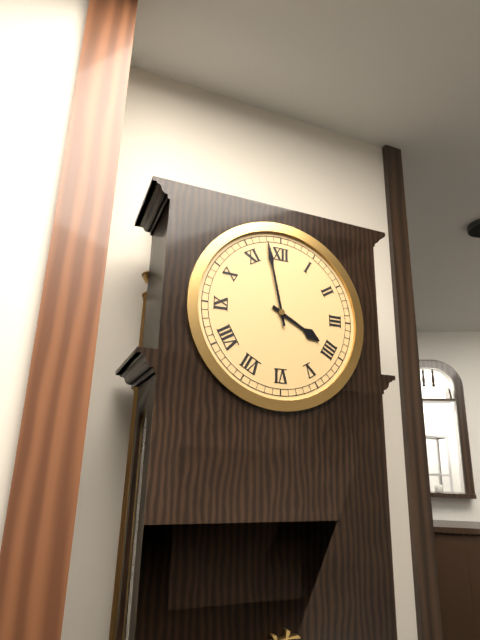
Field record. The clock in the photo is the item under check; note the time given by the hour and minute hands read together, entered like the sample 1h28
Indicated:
3h58
